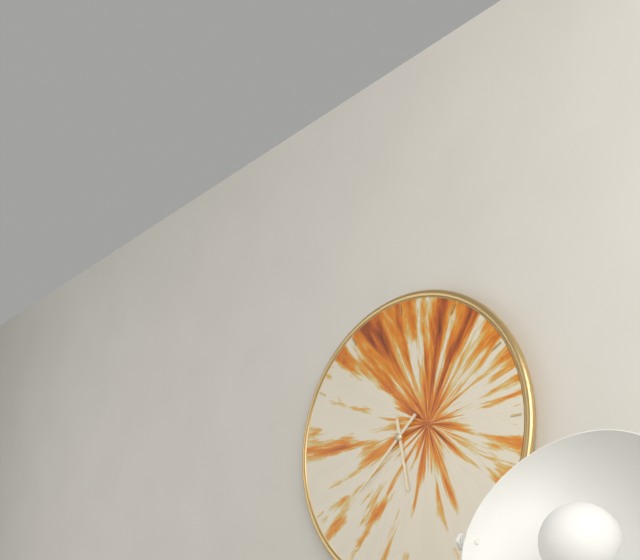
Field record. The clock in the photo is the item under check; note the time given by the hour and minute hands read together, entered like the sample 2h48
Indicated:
5h38
